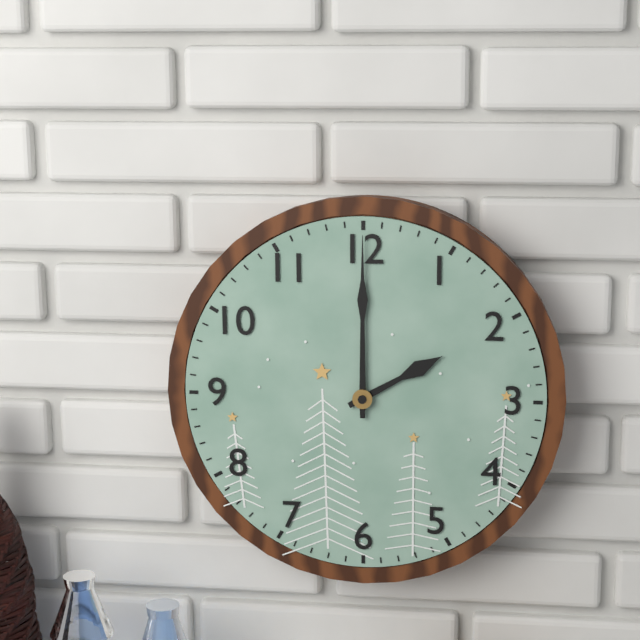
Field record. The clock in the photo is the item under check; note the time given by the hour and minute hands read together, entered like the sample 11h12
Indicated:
2h00
